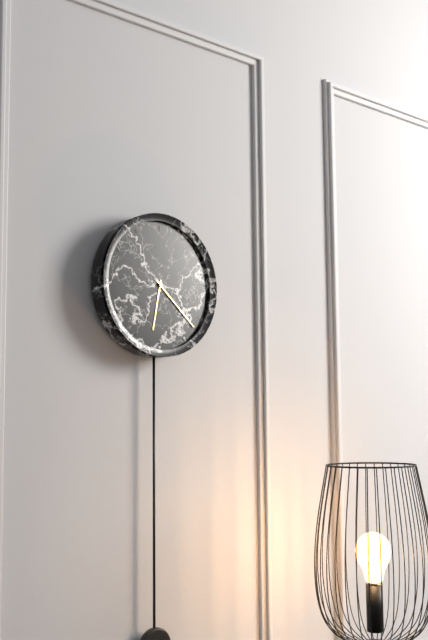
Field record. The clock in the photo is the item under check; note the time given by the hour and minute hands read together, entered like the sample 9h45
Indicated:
6h22
